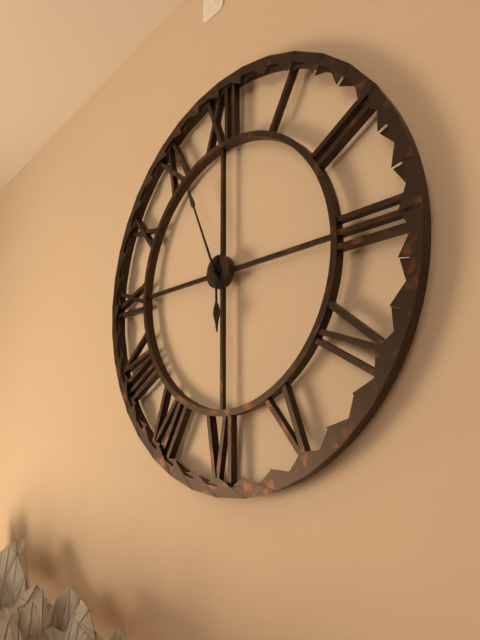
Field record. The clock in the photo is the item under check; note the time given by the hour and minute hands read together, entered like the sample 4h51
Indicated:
5h56
